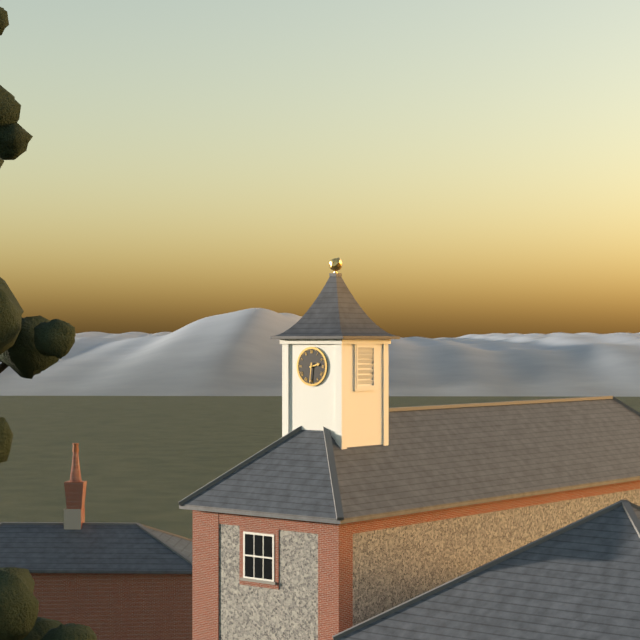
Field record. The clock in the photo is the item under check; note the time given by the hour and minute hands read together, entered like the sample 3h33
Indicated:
2h31
